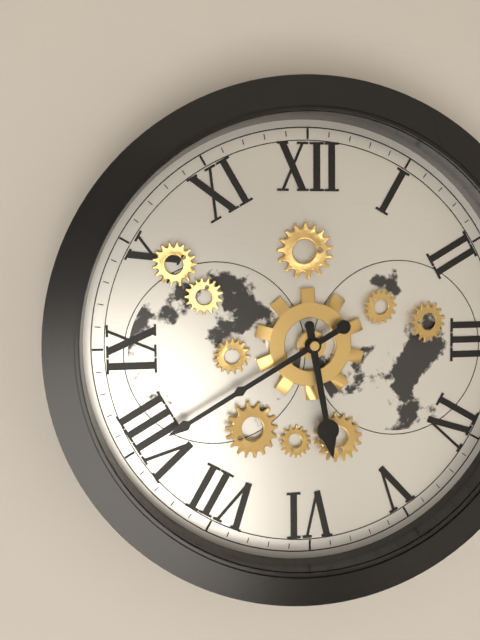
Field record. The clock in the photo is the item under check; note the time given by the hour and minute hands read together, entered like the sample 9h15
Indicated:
5h40
